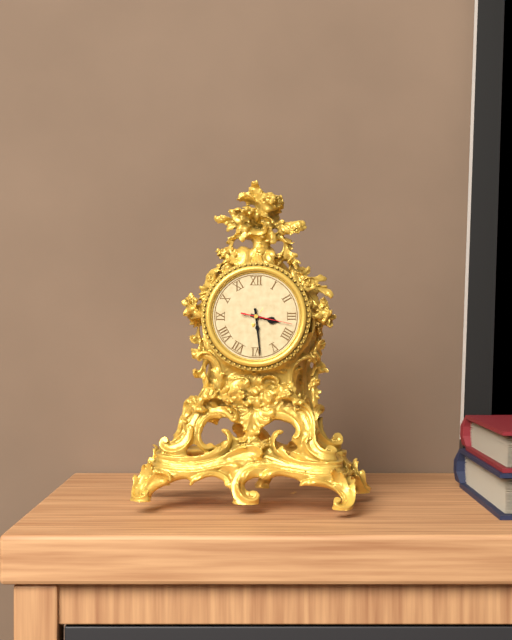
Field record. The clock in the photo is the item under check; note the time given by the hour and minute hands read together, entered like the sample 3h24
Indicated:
3h29
